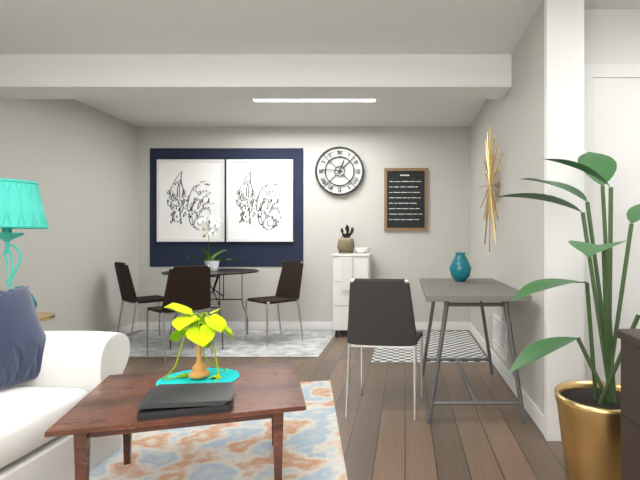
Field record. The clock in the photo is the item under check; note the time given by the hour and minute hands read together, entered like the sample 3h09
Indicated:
12h46
